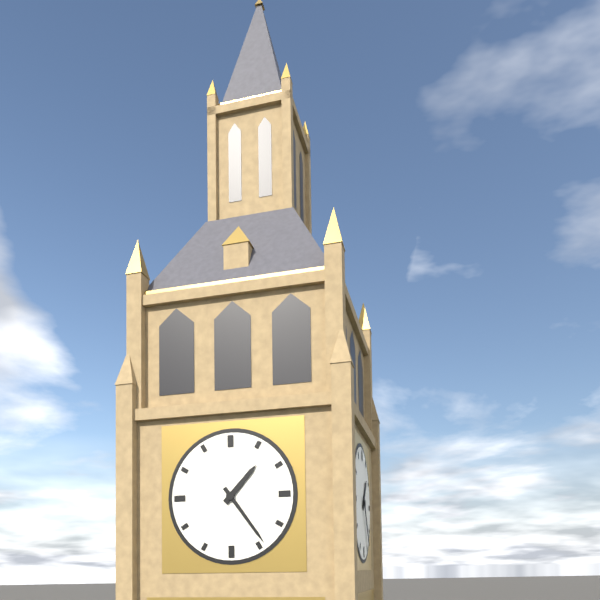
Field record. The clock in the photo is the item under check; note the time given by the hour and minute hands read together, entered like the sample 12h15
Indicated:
1h24
